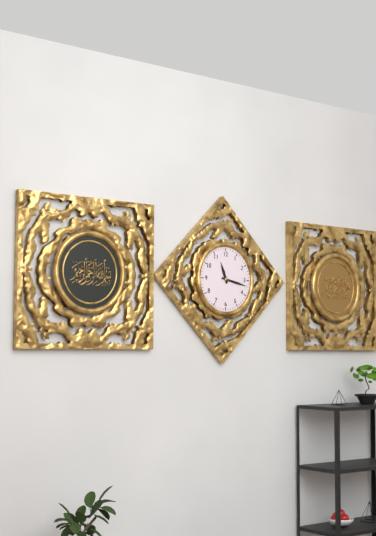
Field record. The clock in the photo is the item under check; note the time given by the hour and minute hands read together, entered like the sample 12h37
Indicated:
11h17
